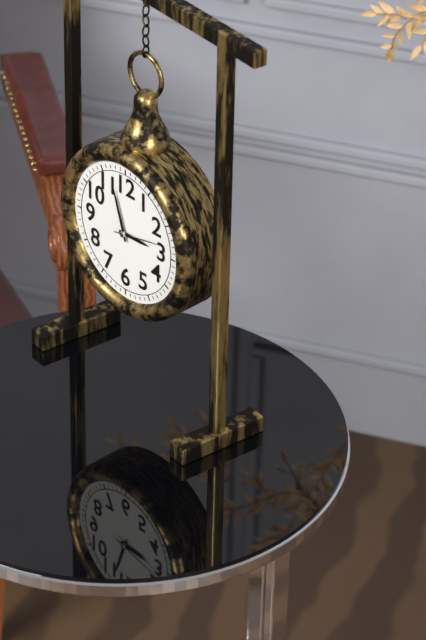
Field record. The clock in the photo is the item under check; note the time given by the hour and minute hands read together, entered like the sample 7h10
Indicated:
2h57
